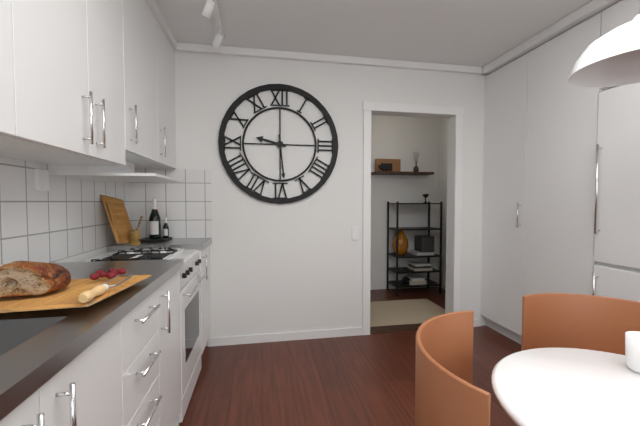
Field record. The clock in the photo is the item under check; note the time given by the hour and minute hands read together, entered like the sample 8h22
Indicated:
9h29
